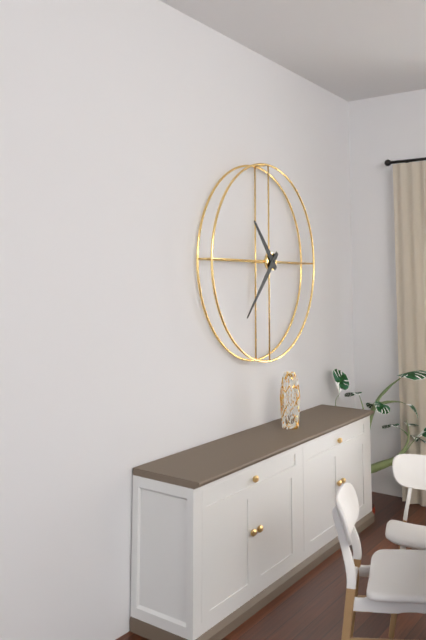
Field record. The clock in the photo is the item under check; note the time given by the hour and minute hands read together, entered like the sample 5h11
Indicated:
10h37
